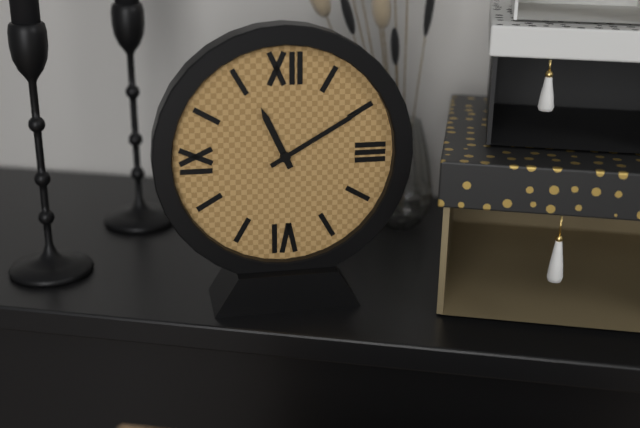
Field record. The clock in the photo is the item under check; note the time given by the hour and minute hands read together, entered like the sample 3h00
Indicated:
11h10
